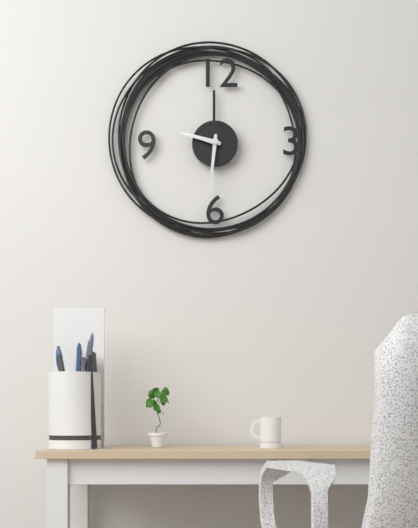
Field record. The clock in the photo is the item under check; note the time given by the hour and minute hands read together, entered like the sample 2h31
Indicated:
9h31
